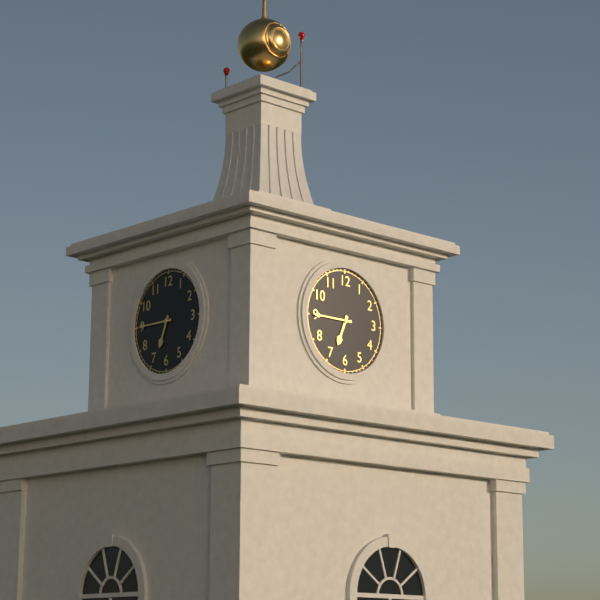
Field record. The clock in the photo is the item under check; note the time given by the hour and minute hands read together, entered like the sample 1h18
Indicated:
6h45
